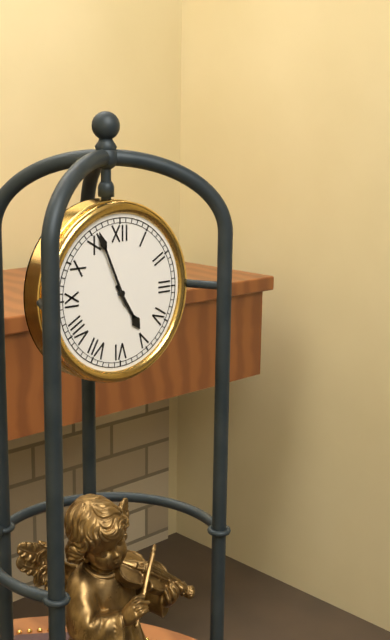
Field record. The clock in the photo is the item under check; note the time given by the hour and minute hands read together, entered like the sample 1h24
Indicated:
4h56
